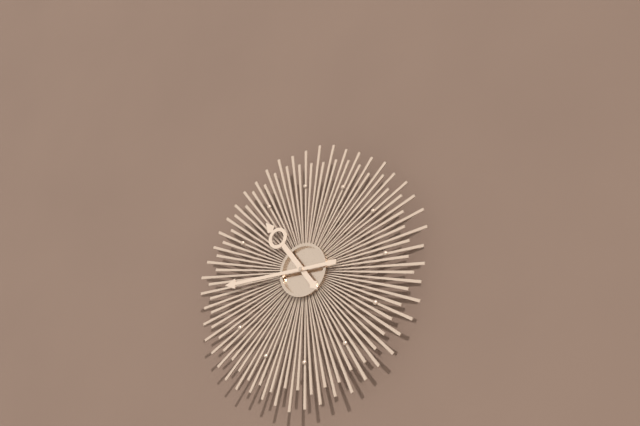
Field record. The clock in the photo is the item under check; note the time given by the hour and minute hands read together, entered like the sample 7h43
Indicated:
10h45
